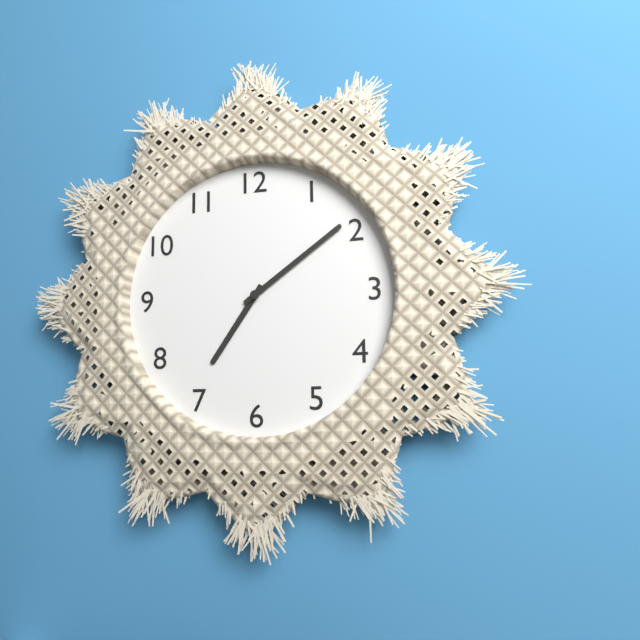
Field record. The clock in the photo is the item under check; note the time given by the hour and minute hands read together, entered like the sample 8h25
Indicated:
7h09
